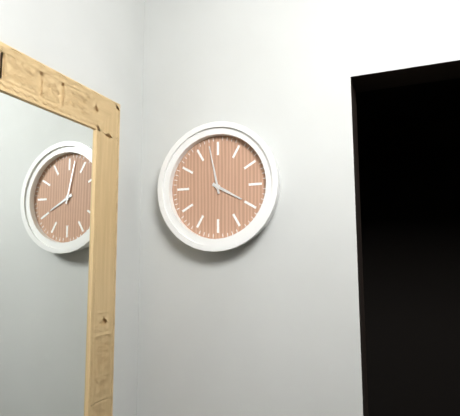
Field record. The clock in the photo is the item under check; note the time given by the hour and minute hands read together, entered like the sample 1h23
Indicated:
3h58
